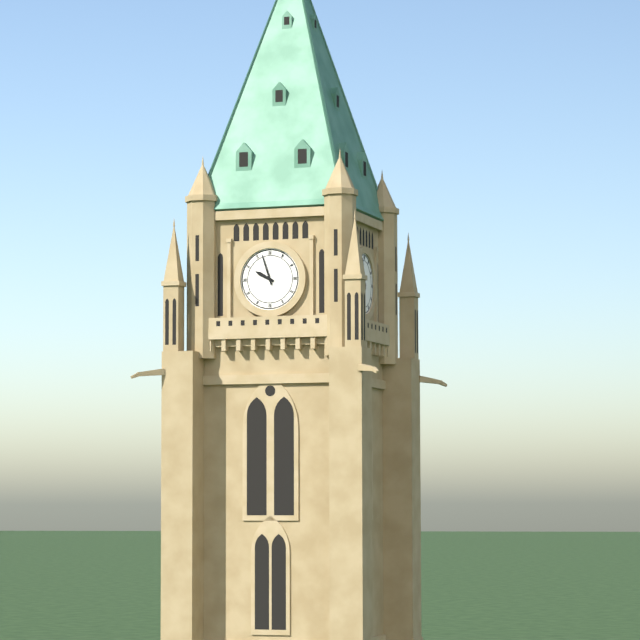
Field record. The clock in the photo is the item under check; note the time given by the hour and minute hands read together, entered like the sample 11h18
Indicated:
9h57
